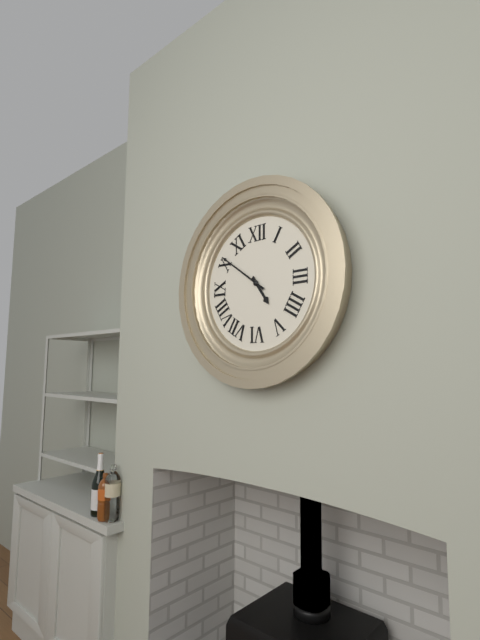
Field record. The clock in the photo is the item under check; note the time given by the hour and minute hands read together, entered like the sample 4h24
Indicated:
4h51
